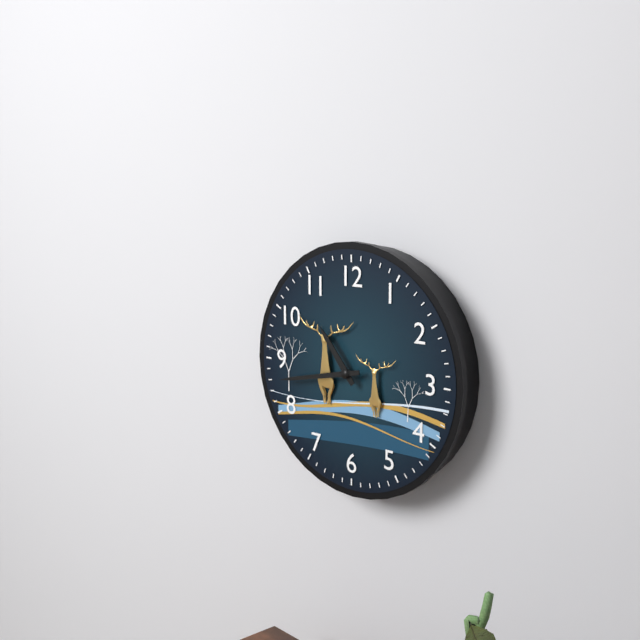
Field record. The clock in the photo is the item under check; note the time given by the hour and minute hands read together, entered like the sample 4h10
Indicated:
10h43
